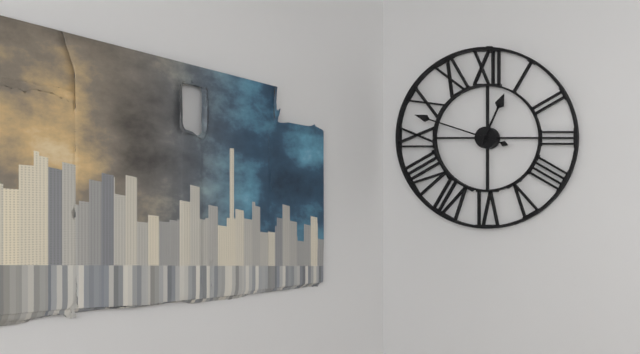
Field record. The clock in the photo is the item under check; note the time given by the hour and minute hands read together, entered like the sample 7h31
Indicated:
12h48
